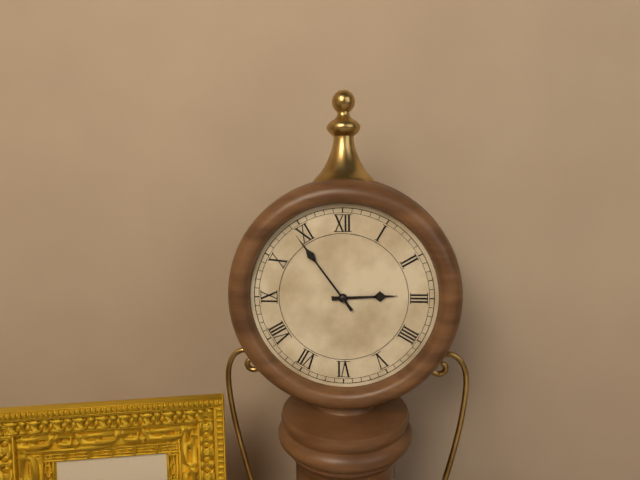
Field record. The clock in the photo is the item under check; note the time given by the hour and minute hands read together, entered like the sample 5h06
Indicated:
2h54
